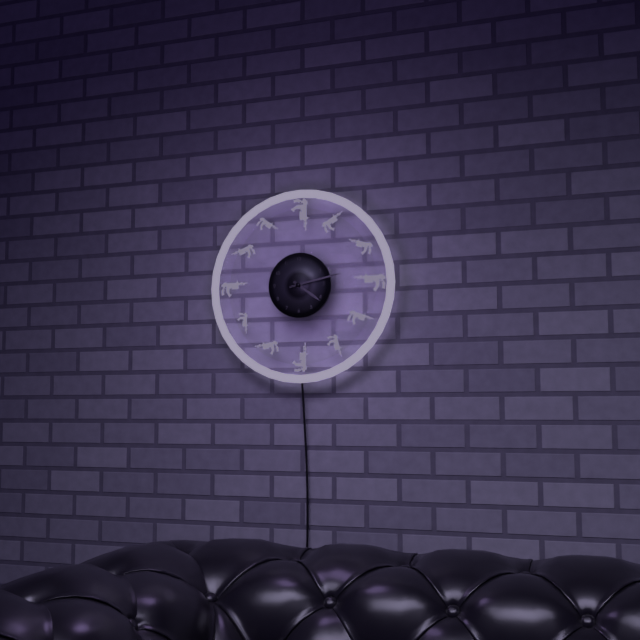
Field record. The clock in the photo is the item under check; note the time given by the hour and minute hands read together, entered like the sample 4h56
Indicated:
4h13
